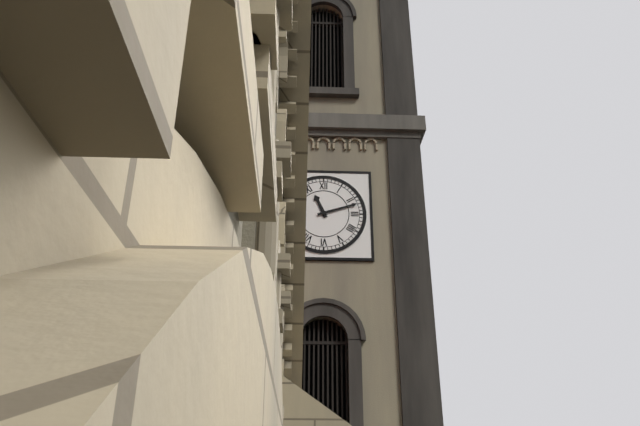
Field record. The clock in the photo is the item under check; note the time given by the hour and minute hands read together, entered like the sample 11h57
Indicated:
11h12
